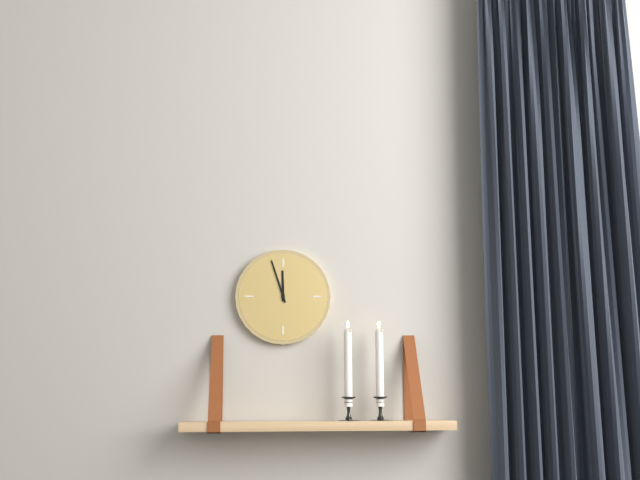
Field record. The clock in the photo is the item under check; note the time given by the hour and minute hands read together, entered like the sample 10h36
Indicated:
11h57
